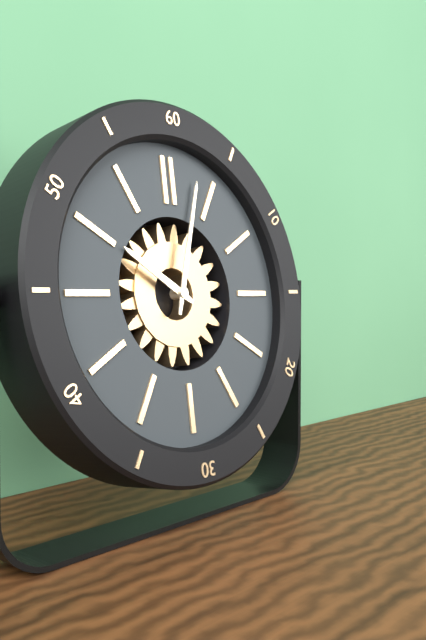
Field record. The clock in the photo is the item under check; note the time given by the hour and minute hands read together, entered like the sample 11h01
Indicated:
10h03
